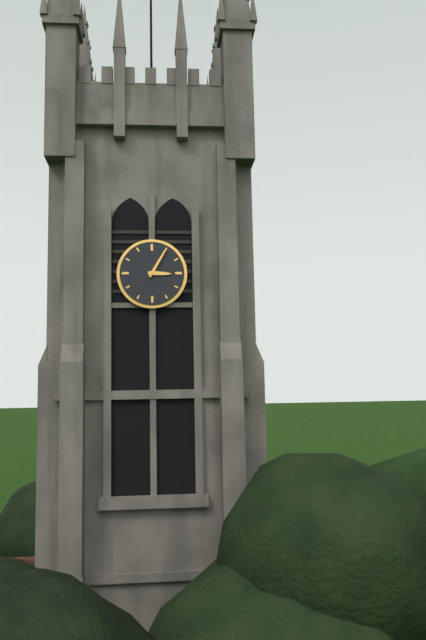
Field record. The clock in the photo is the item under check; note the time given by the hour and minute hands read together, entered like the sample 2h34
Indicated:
3h05
